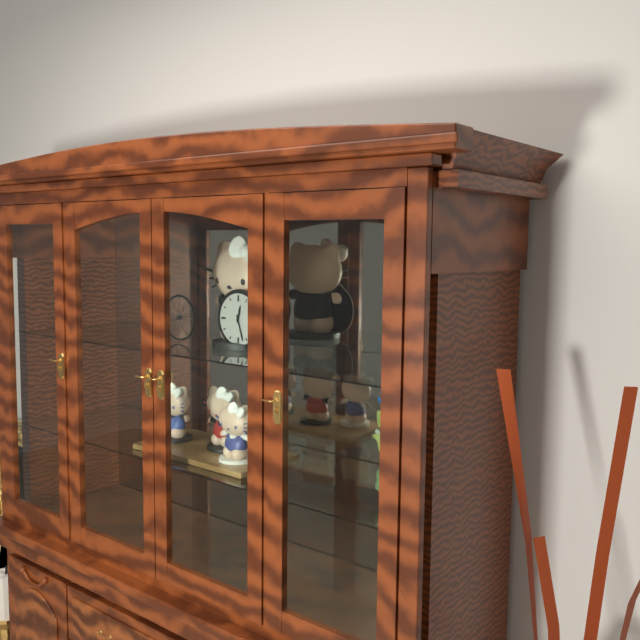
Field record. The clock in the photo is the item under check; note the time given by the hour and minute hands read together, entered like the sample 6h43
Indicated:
12h27
